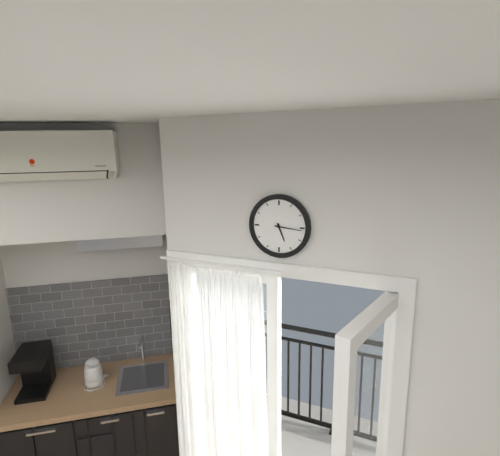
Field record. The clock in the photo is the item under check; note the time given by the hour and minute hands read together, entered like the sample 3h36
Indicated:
5h16
